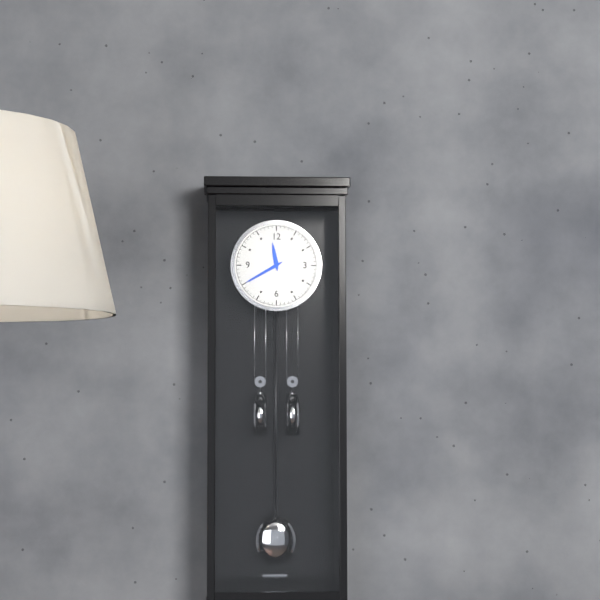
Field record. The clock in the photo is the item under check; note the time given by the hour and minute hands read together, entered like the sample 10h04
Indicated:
11h40
